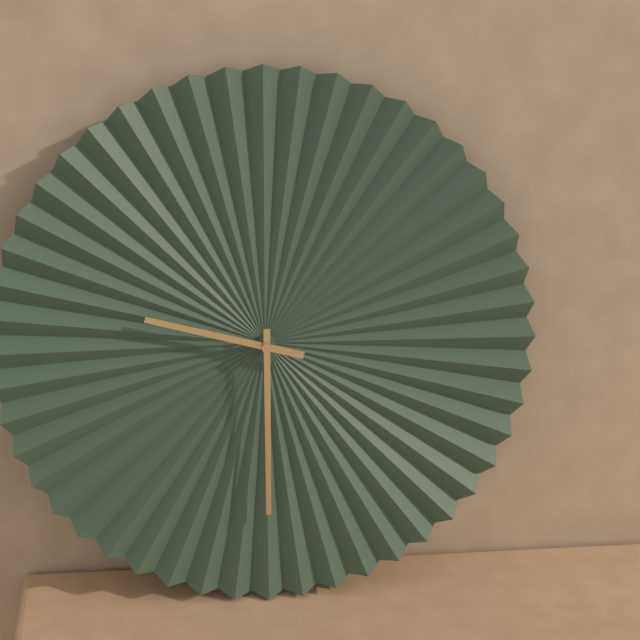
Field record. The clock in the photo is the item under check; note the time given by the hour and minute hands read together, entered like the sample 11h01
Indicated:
9h30
